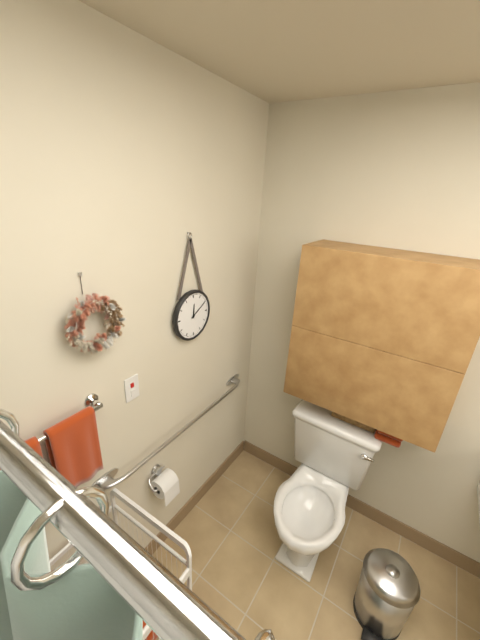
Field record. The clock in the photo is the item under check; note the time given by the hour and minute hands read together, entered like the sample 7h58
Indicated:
12h10
